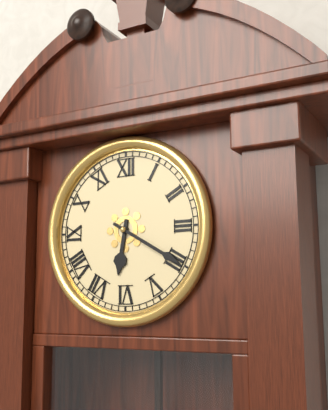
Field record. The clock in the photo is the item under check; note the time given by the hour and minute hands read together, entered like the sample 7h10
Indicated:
6h20
